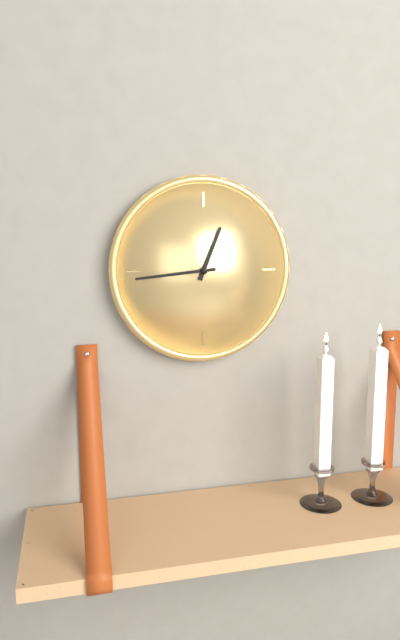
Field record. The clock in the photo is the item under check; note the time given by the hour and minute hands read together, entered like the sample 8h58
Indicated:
12h44
